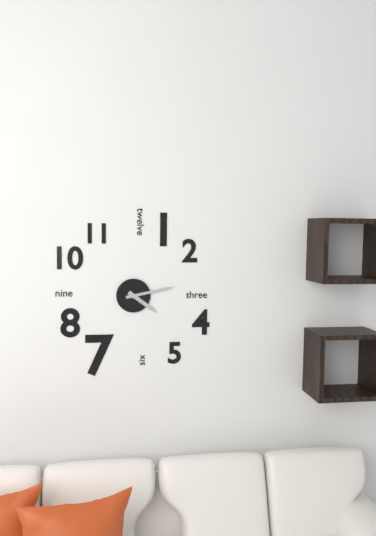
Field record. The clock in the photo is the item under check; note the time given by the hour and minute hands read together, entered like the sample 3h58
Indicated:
4h13
